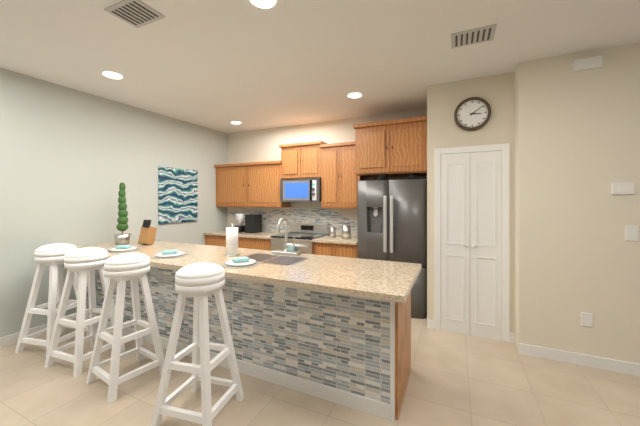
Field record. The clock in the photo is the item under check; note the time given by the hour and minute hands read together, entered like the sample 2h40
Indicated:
3h09
